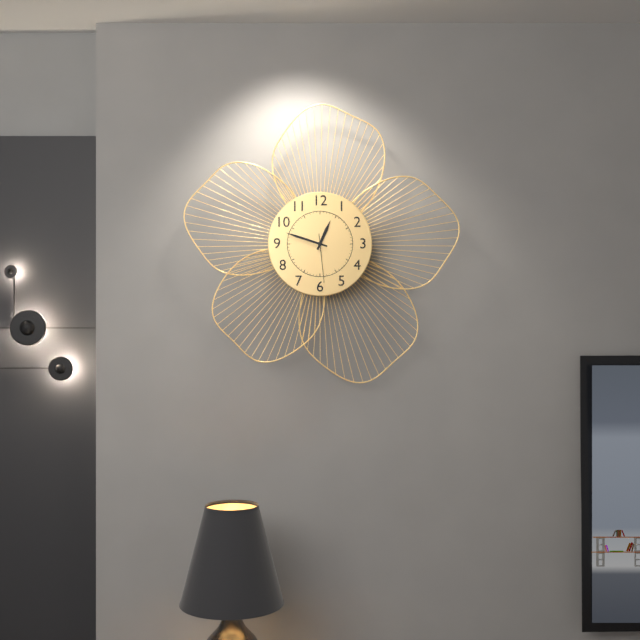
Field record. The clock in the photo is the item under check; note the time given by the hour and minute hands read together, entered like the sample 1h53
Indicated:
12h48
